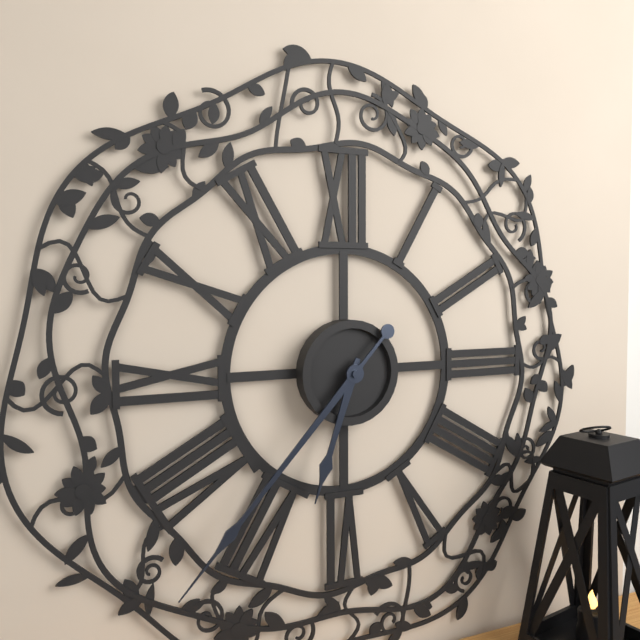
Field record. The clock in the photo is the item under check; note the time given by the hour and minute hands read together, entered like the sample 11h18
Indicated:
6h37
